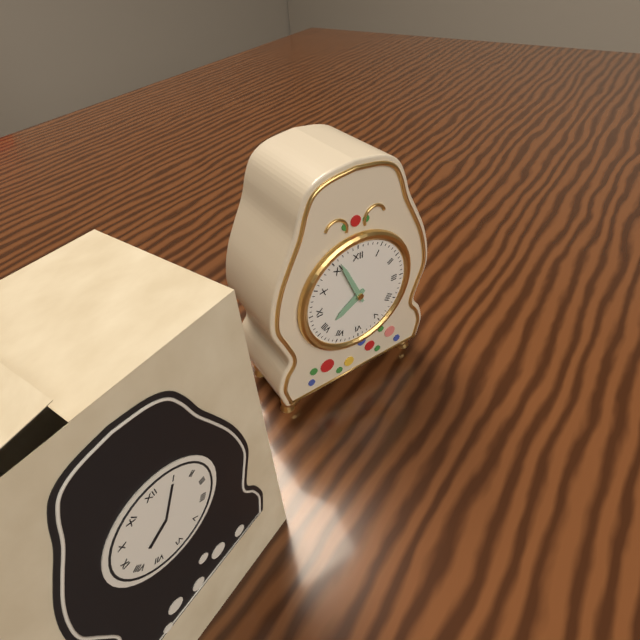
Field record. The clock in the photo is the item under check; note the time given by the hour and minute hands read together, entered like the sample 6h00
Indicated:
7h56
